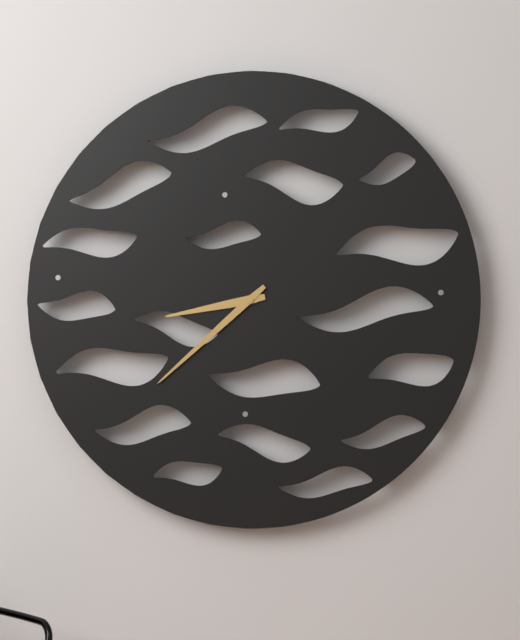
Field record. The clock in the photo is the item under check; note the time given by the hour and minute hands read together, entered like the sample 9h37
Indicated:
8h38
